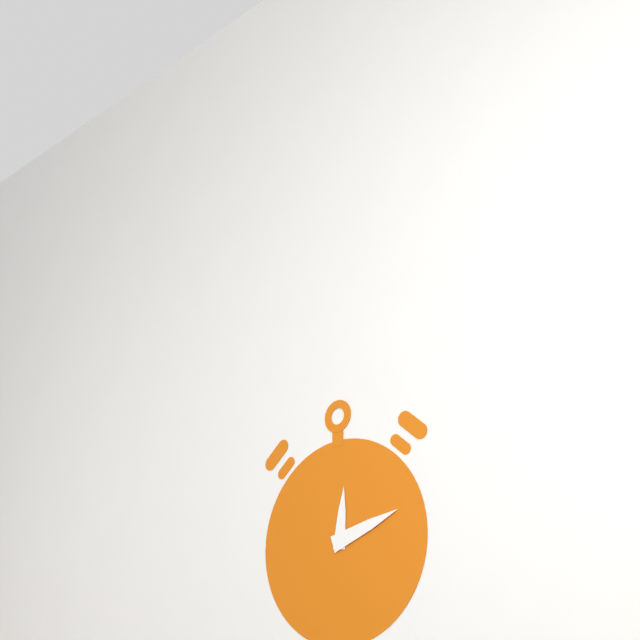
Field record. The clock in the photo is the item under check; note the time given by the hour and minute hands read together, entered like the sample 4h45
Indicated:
12h12
